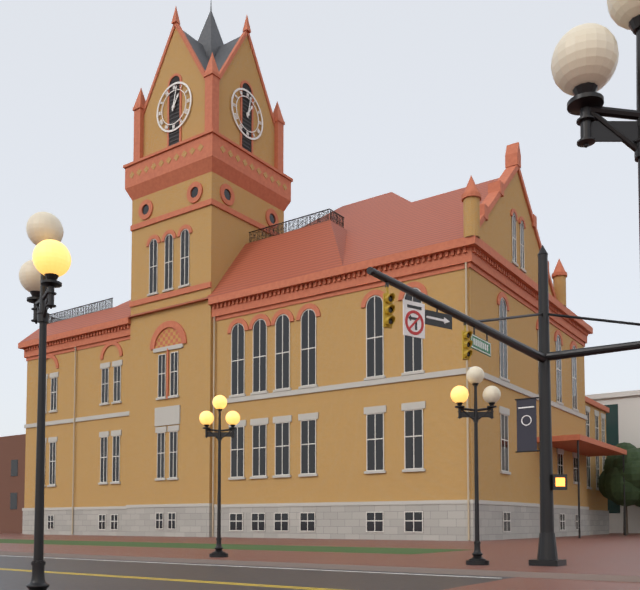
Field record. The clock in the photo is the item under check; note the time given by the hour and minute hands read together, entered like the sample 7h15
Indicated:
1h02
